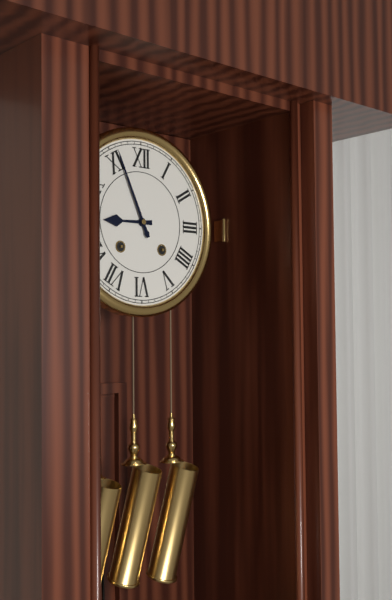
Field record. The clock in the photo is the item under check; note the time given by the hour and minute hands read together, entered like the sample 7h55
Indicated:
8h56
